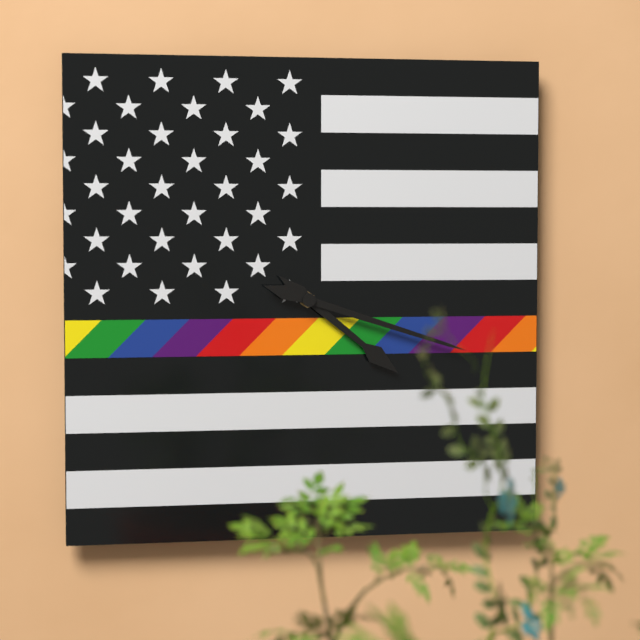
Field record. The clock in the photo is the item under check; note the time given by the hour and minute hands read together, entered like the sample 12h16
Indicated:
4h18
